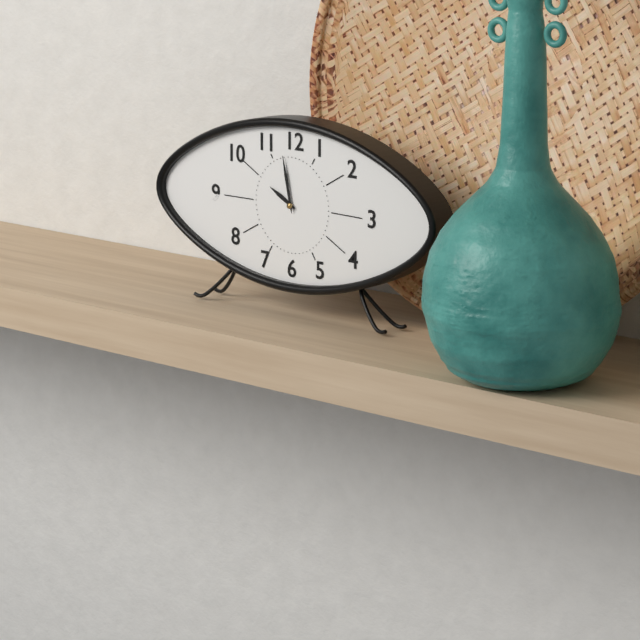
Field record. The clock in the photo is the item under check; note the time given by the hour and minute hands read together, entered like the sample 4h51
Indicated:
9h58
